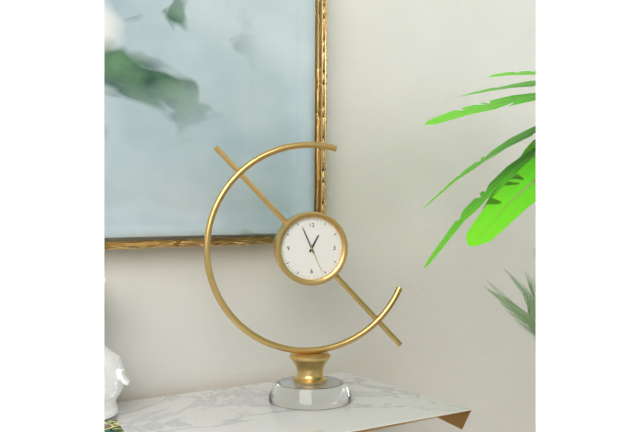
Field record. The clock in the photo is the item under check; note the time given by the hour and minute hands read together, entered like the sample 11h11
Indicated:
12h56
